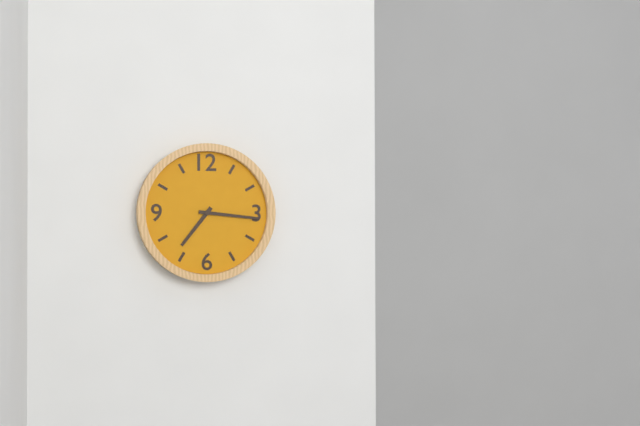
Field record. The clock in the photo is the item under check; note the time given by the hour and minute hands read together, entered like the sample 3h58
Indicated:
7h16
